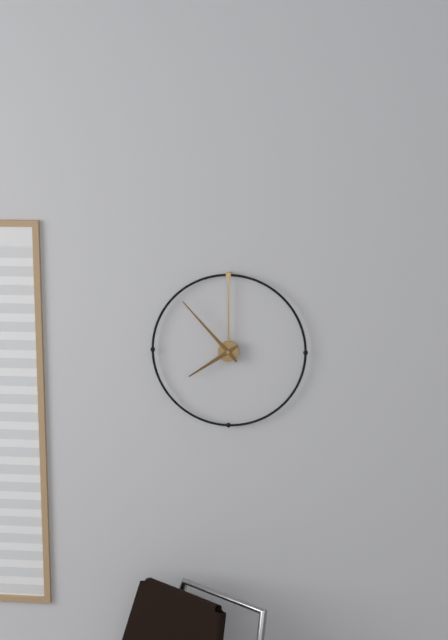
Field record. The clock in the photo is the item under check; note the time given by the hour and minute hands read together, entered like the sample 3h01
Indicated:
7h53
